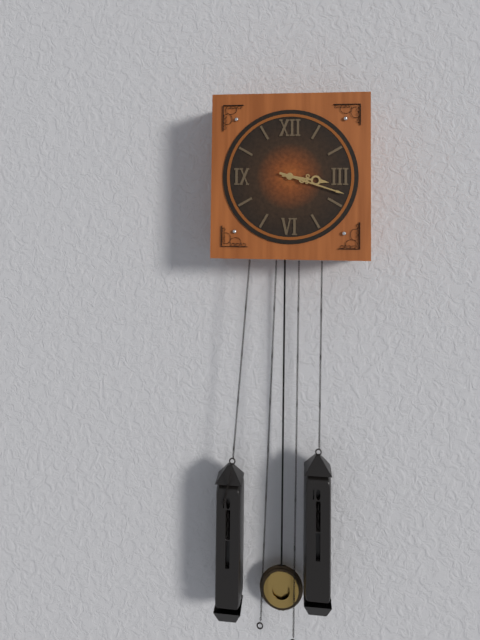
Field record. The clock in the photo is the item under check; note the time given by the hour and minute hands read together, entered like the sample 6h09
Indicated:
3h18
